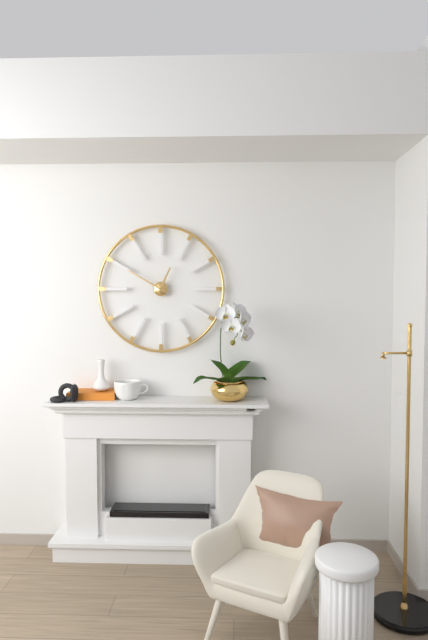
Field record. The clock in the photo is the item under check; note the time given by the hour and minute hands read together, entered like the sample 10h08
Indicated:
12h50
